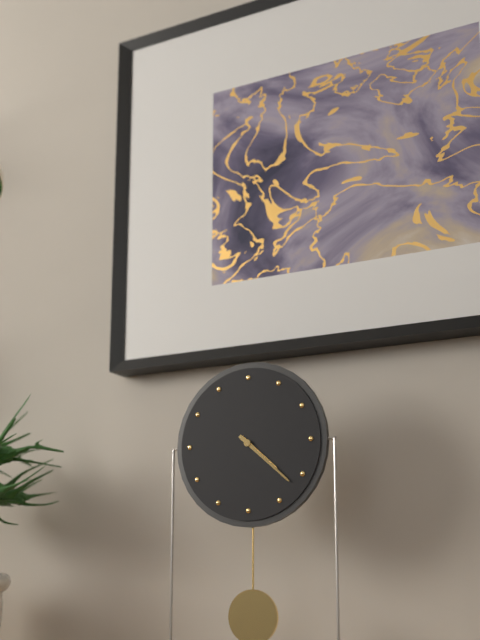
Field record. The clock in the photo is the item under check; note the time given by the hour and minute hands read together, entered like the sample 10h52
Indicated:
4h22
